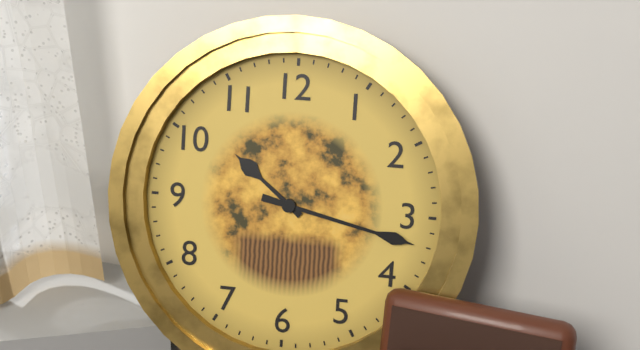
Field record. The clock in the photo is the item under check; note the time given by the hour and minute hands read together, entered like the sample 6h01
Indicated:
10h17
